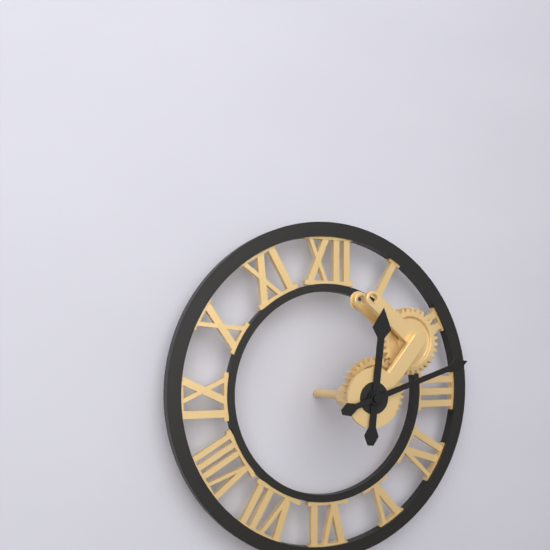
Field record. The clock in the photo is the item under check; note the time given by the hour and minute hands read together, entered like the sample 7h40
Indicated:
12h12
